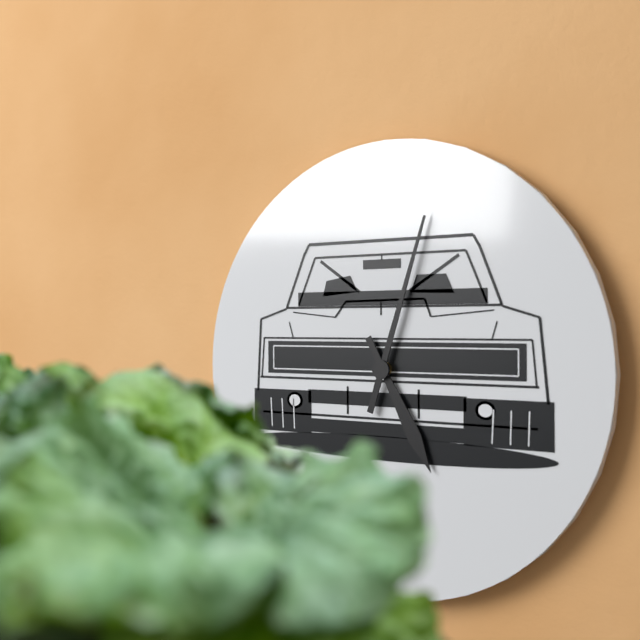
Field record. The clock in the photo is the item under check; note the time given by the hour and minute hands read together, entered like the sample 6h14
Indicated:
5h03
